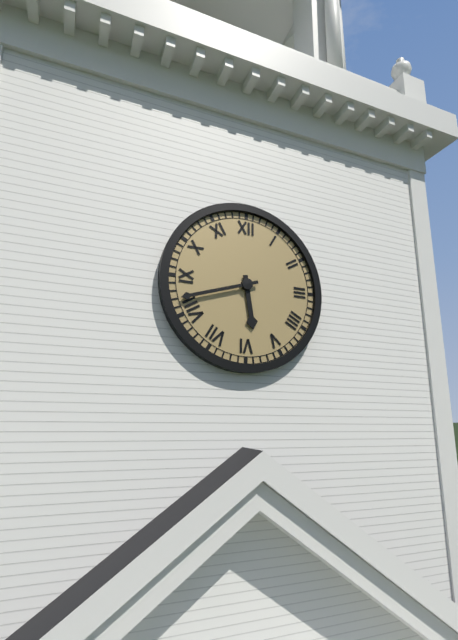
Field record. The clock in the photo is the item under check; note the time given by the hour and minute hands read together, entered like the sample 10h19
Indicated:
5h42
